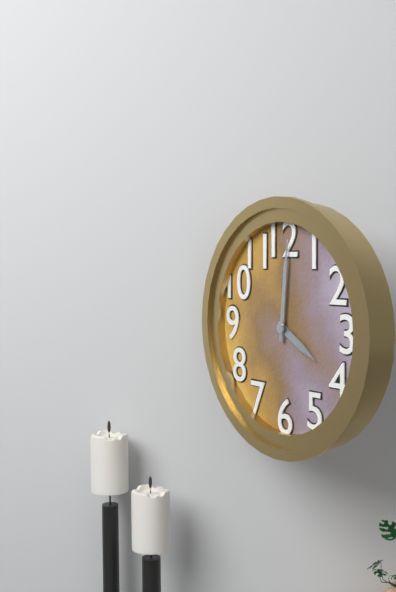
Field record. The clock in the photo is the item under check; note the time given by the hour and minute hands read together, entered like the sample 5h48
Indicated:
4h01
